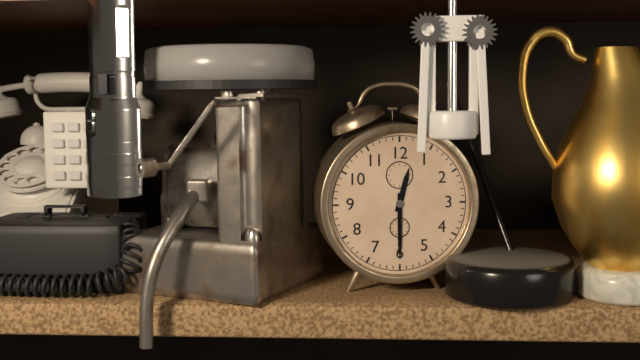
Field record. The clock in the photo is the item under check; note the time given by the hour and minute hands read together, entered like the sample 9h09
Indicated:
12h30
